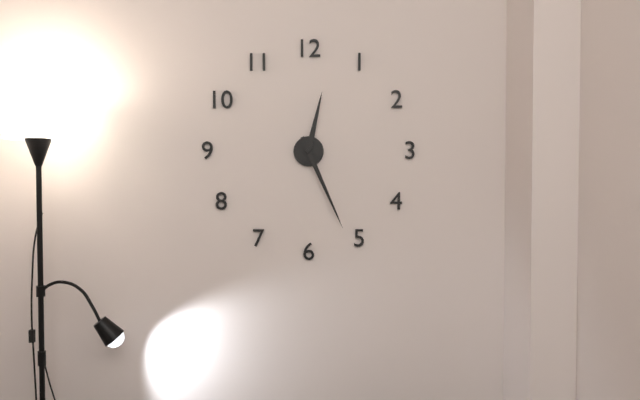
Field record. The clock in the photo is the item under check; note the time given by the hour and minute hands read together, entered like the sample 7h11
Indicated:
12h26
